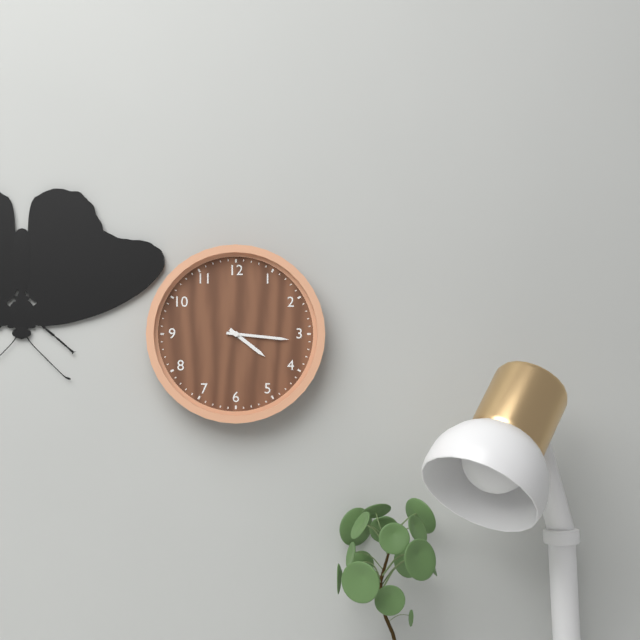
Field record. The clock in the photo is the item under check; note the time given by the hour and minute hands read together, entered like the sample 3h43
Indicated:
4h16
